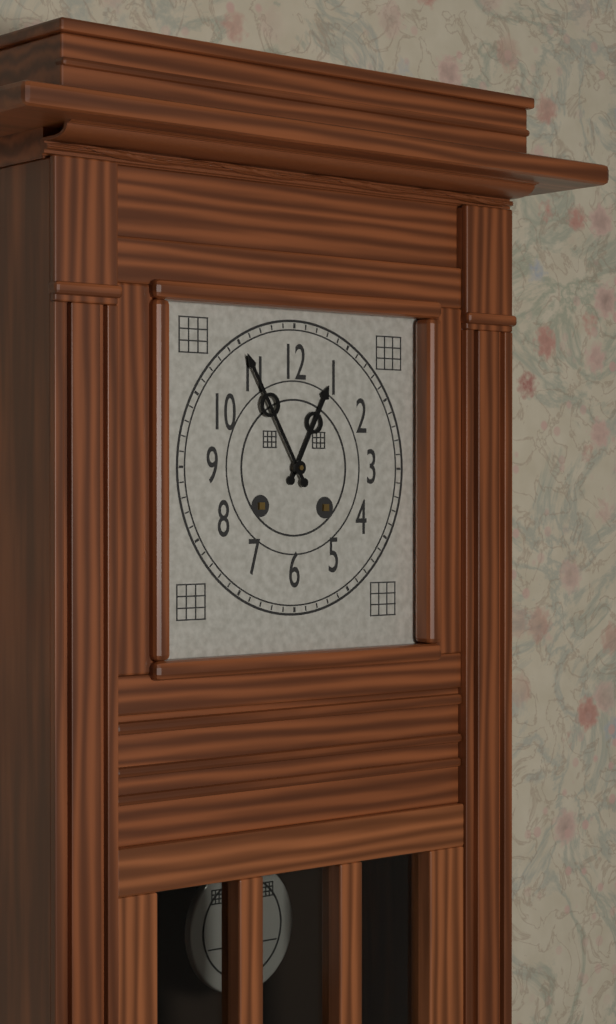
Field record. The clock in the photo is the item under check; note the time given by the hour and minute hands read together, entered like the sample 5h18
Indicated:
12h55
